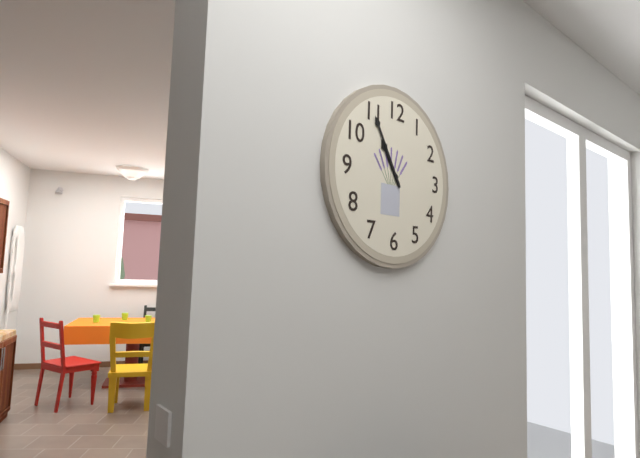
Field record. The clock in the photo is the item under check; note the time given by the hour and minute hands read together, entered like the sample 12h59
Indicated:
10h55
